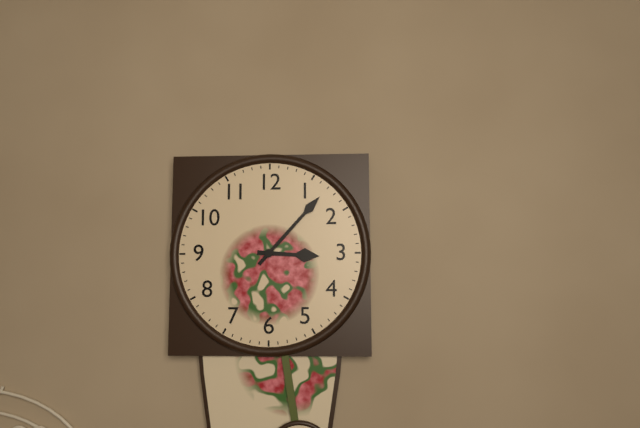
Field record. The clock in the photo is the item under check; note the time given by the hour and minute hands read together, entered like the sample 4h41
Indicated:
3h07
